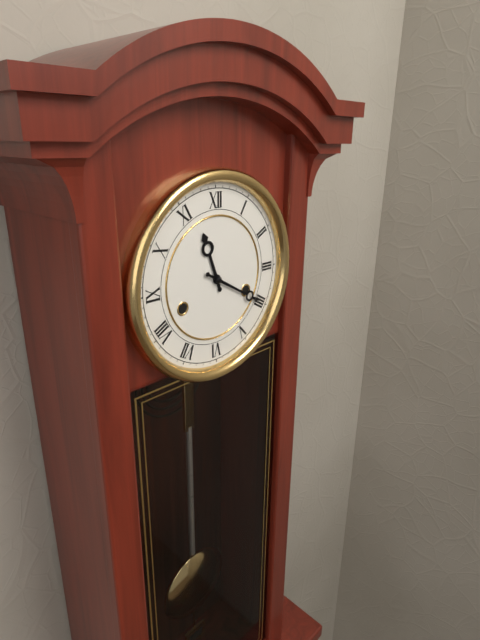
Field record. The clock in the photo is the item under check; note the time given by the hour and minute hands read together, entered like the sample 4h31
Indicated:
11h20
